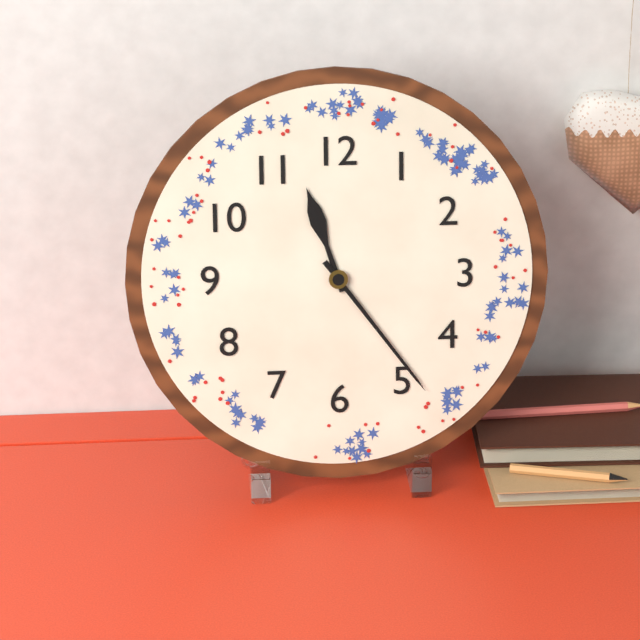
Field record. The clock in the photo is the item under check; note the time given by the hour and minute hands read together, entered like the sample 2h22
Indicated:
11h24
